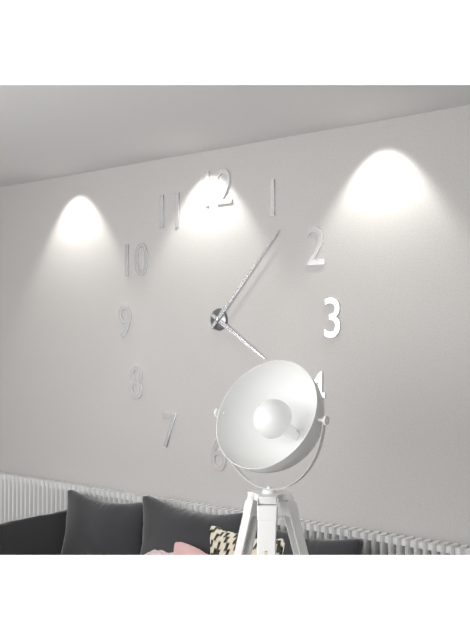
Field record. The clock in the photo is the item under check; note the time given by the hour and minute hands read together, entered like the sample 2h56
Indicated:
4h07
